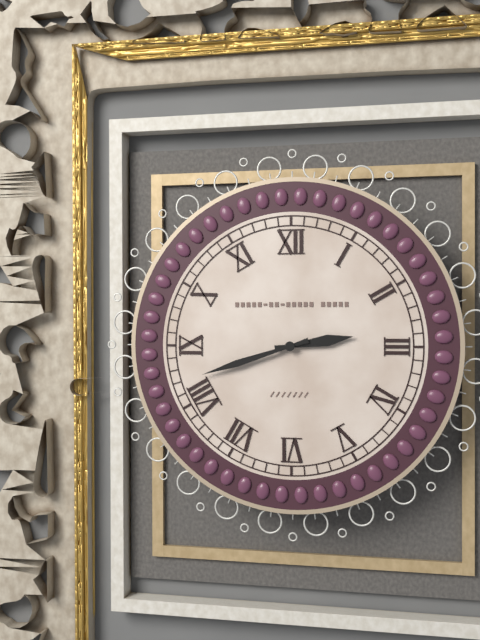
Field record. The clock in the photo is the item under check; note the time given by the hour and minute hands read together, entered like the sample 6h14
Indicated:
2h42
